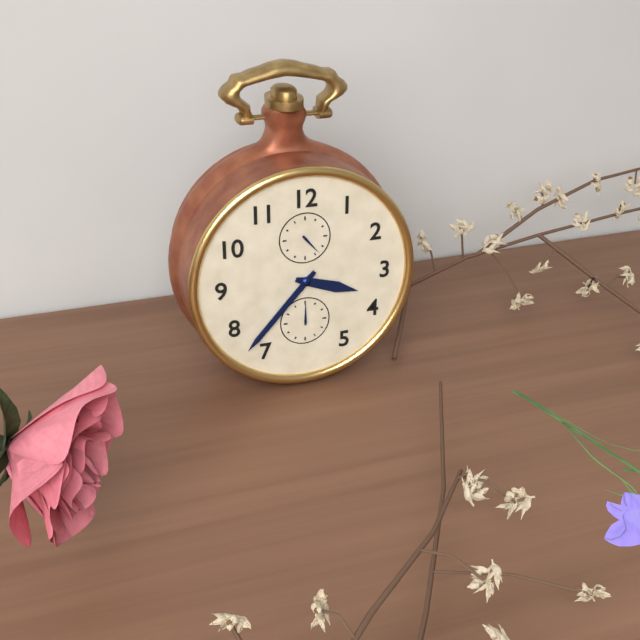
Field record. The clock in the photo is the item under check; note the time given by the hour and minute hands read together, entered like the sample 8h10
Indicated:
3h37
